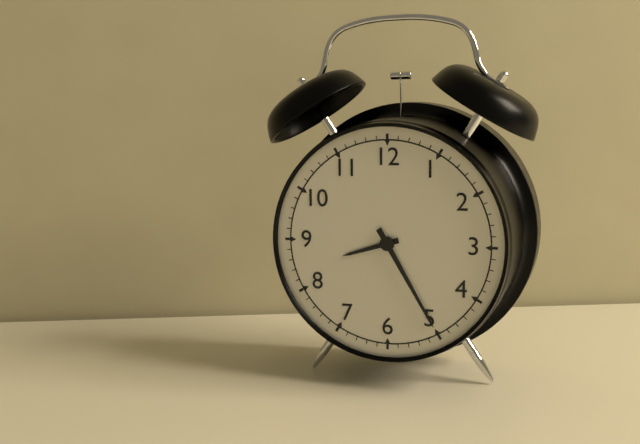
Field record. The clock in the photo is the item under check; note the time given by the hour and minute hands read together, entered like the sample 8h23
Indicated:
8h25
